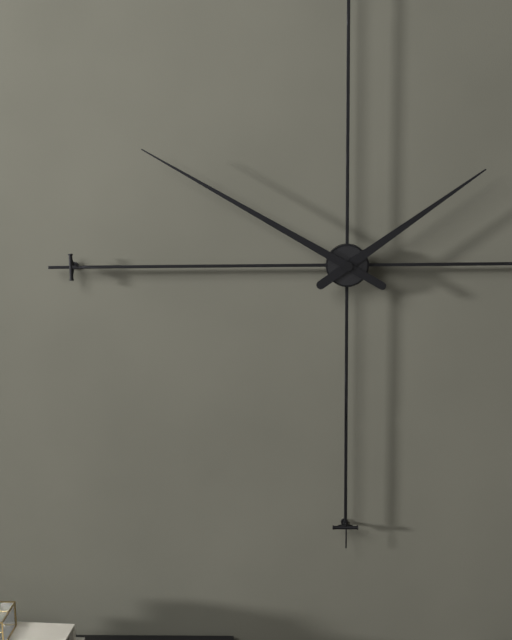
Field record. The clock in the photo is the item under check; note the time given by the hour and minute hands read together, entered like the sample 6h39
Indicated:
1h50
